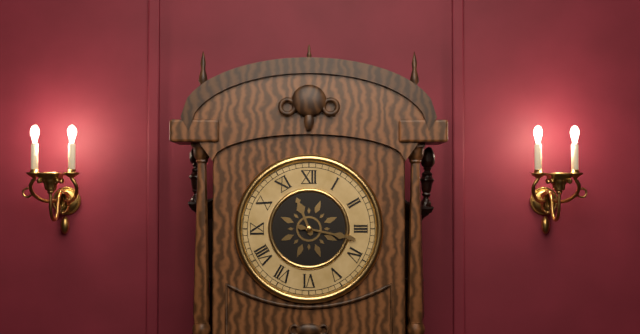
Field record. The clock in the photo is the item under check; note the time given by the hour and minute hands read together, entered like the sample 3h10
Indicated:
11h17
